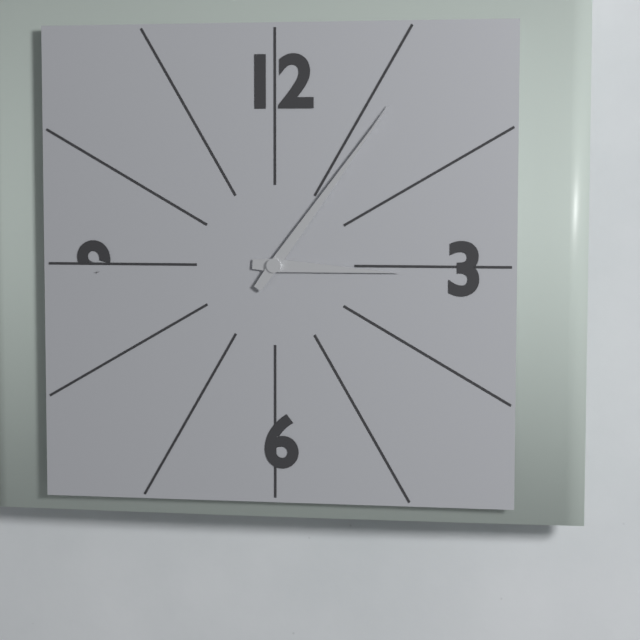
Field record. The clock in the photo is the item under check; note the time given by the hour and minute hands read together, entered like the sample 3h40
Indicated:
3h06
